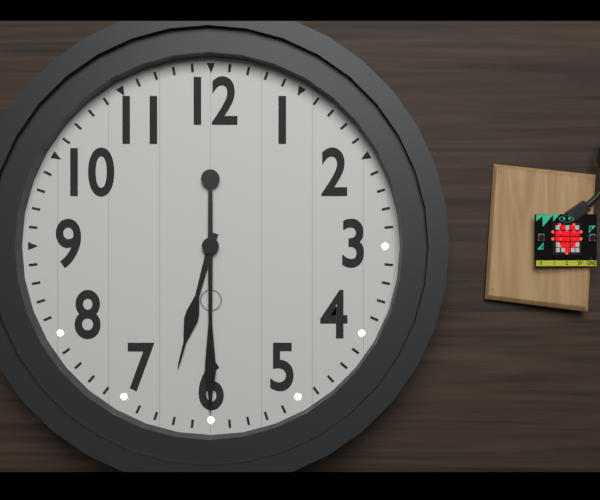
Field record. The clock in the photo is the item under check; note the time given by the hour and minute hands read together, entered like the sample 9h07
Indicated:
6h30
